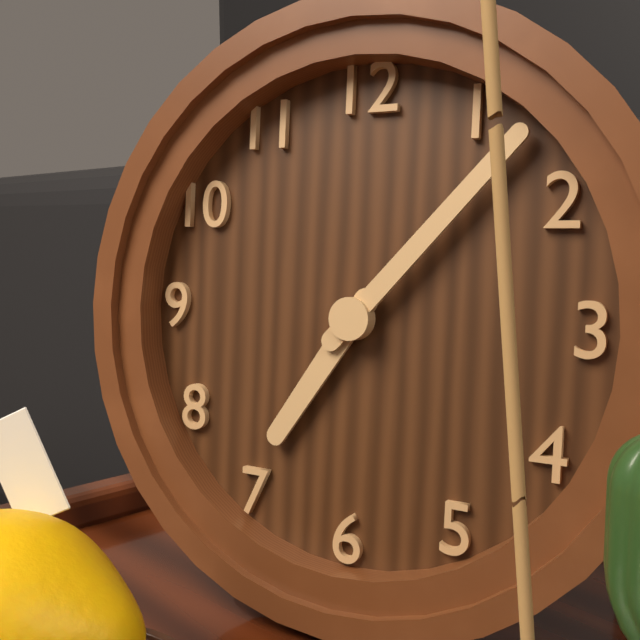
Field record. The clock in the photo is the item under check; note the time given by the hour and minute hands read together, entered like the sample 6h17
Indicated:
7h07
